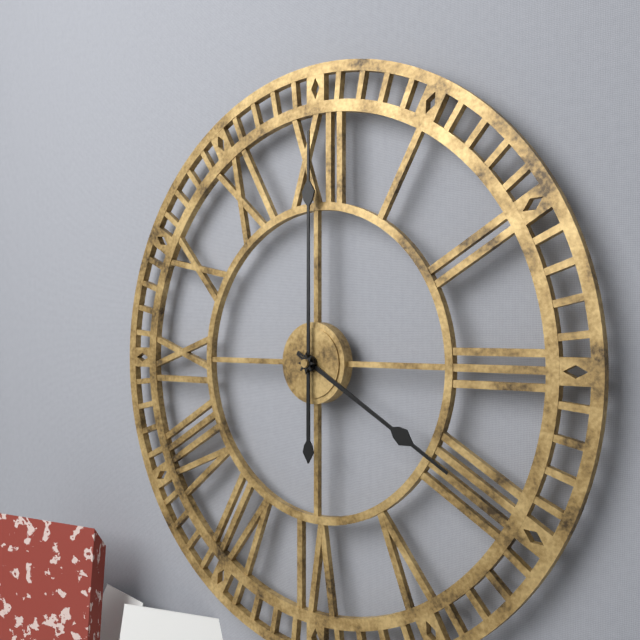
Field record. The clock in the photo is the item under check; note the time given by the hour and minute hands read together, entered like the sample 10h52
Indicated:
4h00
